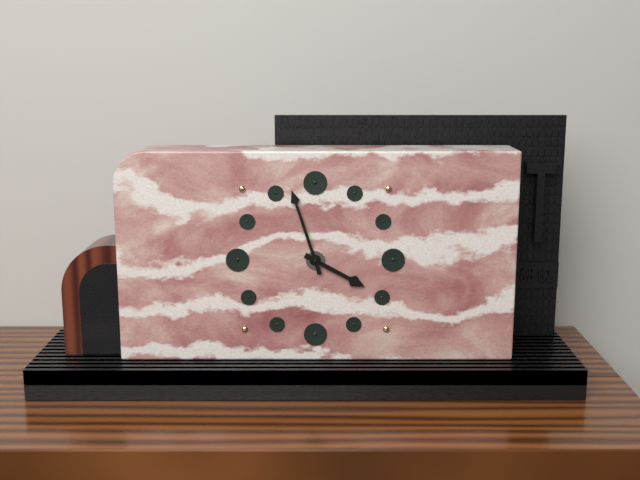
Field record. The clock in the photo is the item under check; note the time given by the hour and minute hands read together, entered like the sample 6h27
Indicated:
3h57
